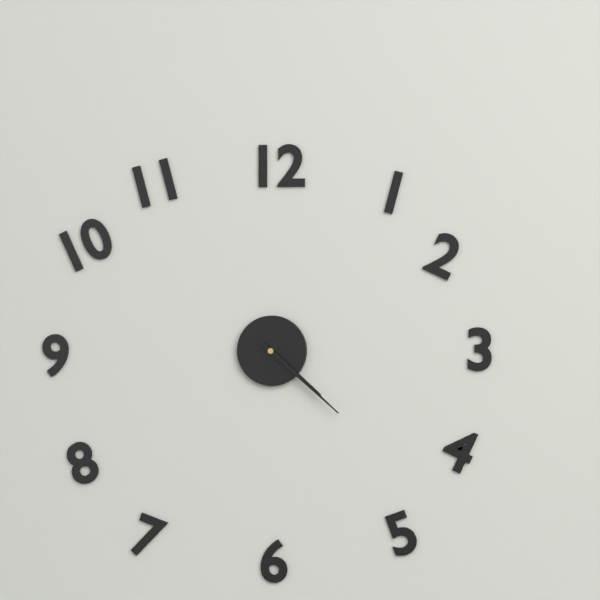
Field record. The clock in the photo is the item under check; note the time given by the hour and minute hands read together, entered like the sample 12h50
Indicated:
4h22
